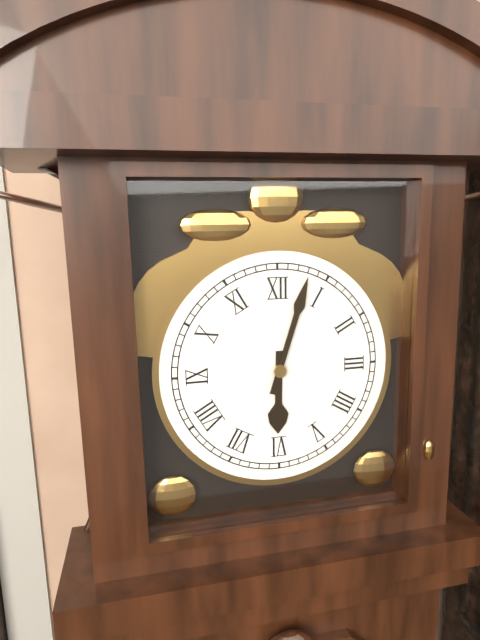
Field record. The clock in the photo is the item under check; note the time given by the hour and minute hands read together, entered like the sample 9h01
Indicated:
6h03
